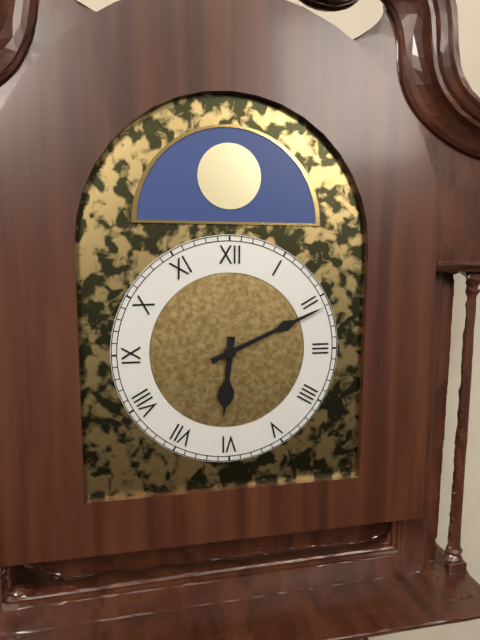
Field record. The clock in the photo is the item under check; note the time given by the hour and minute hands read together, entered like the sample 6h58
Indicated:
6h11
